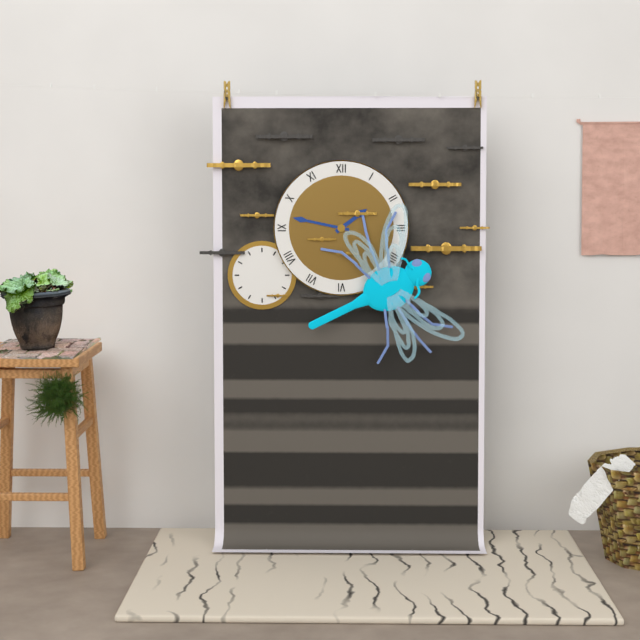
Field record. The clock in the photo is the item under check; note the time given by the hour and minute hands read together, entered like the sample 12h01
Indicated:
1h47
